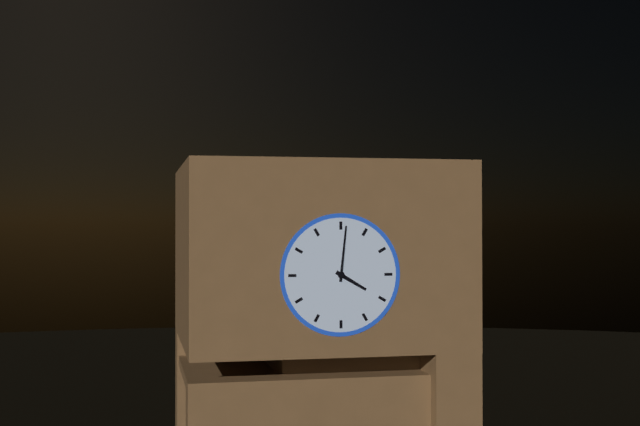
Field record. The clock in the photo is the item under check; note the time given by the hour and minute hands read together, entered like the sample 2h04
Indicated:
4h01
